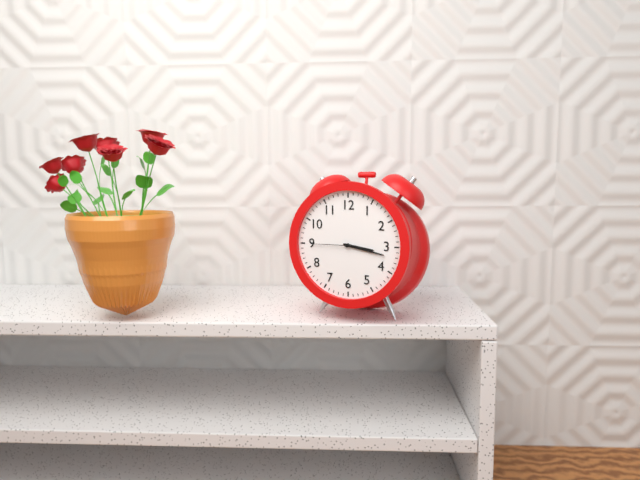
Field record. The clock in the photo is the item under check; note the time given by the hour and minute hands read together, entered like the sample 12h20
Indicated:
3h17
